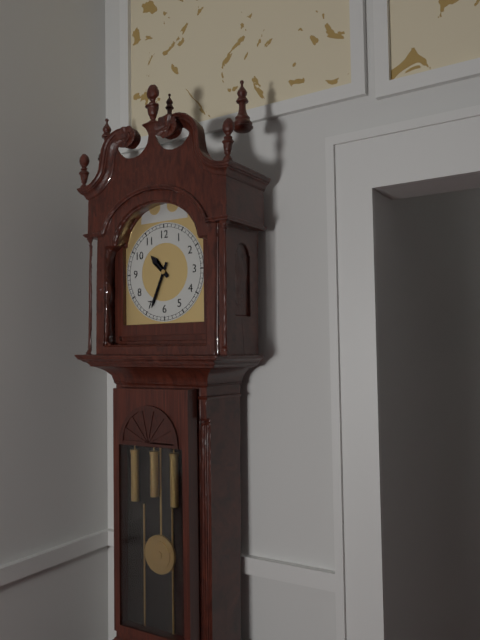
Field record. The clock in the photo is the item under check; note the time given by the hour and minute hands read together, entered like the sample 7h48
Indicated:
10h34
